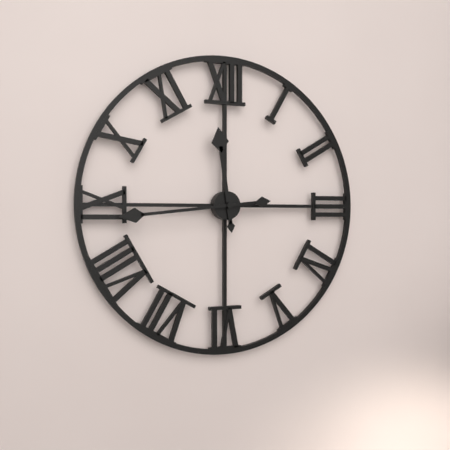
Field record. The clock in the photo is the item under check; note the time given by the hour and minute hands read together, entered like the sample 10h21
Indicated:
11h44
